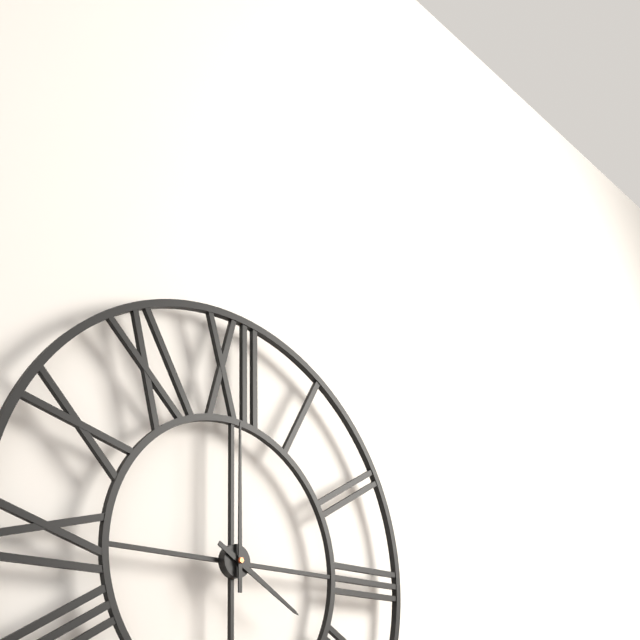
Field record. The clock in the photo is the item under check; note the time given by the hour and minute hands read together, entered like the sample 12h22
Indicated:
4h00
